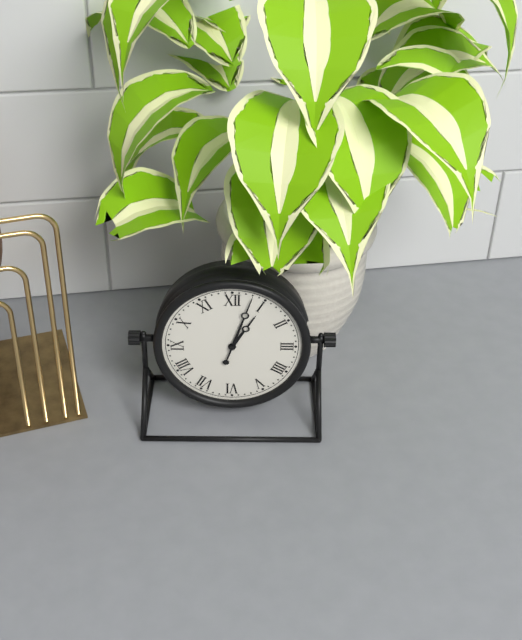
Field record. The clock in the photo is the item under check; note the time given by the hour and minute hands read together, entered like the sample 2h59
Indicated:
1h03
